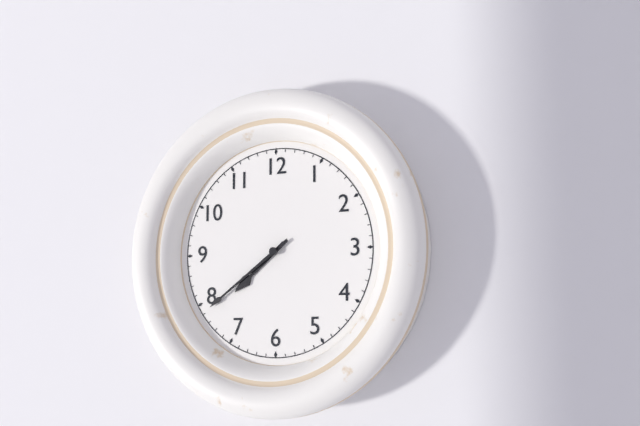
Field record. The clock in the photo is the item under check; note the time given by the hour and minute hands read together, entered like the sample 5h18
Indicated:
7h39
